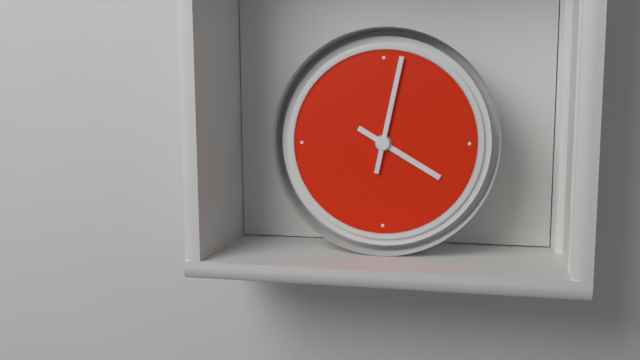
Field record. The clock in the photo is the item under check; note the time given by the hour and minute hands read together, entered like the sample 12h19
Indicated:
4h02
